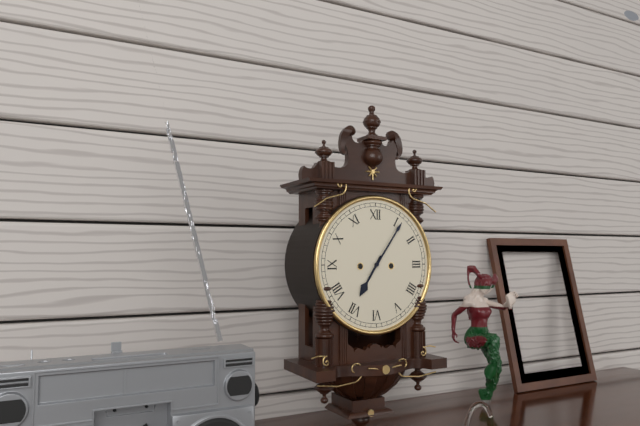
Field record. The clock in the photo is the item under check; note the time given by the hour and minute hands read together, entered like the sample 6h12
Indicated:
7h06
